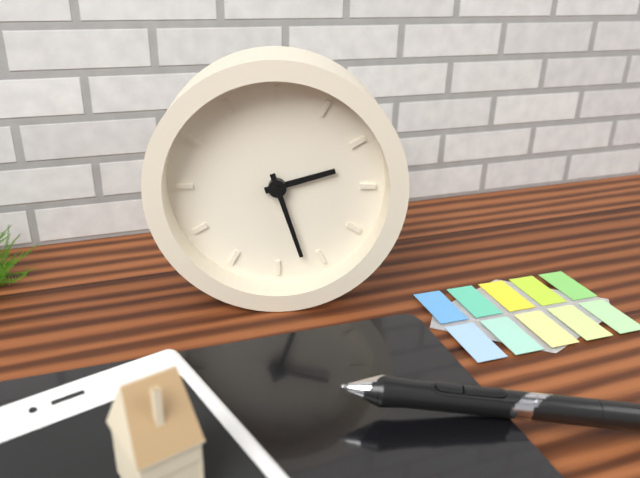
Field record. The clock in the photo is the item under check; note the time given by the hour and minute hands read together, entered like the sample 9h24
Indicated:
2h27
